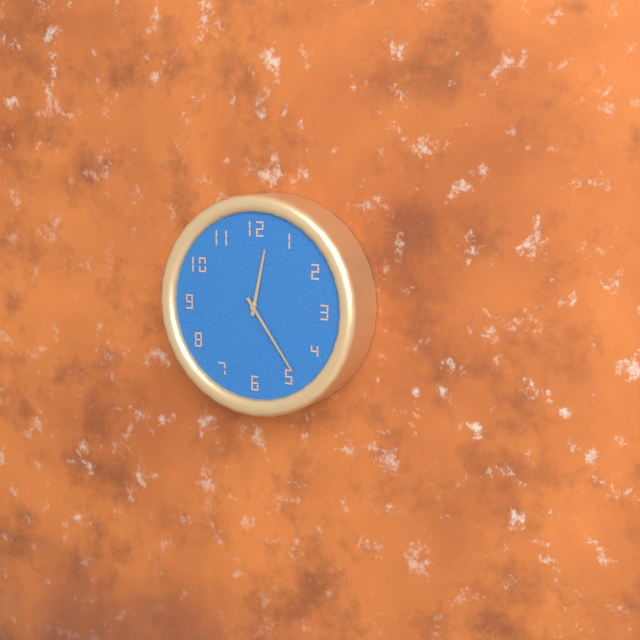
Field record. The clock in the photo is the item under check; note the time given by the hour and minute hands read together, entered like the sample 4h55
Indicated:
12h24
